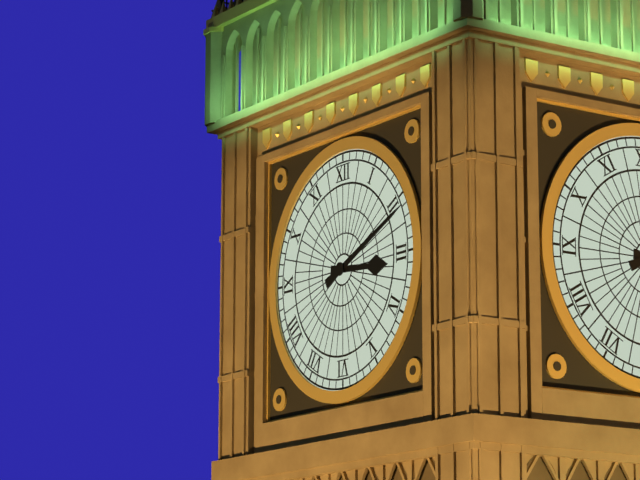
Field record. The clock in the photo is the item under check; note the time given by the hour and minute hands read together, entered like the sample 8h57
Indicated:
3h11
